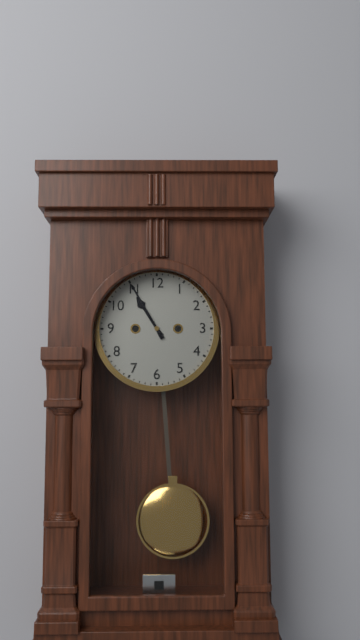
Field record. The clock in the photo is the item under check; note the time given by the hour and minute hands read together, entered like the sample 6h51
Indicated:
10h55
